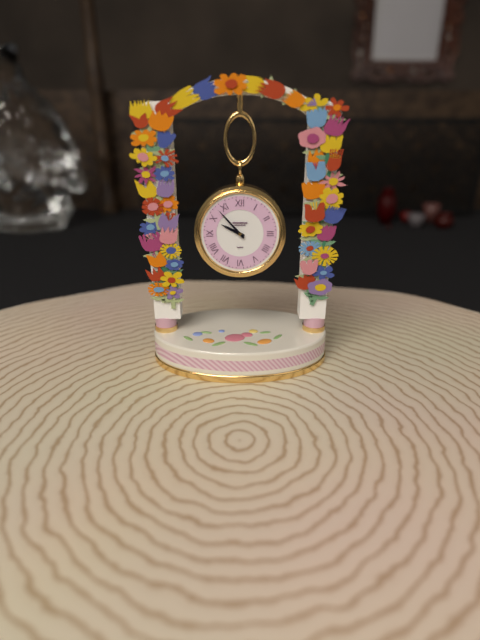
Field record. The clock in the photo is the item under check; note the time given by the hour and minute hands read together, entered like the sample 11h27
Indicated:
9h53
